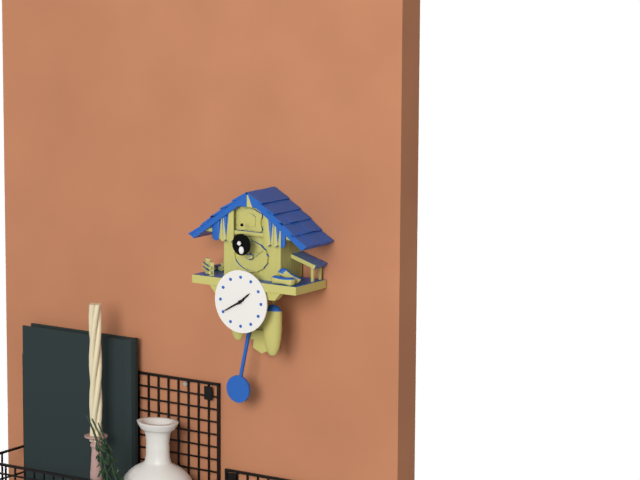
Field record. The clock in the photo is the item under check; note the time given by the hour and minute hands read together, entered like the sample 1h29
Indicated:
1h40
